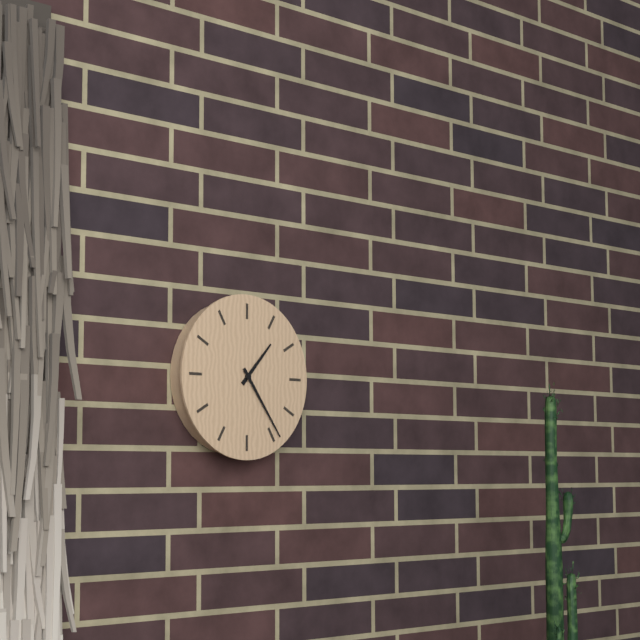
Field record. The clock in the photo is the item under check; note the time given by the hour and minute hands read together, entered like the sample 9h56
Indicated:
1h24
